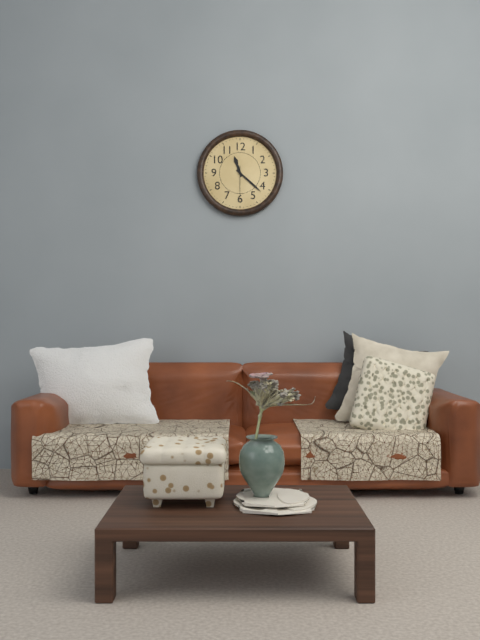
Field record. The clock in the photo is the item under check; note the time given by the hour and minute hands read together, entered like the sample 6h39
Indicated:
11h22
